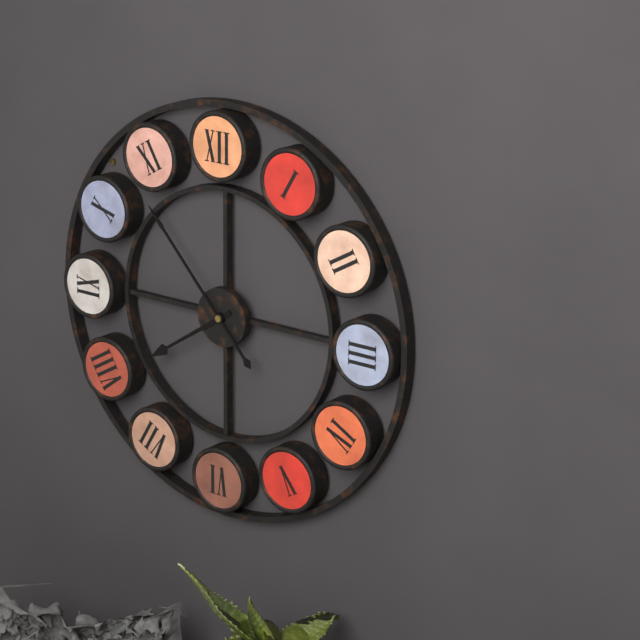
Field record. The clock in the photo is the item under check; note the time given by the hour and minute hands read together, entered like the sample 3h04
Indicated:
7h53
